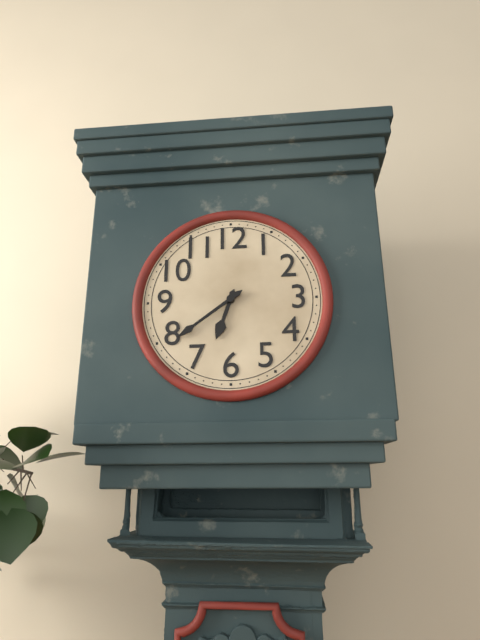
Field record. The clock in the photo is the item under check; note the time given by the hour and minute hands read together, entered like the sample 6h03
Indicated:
6h39
